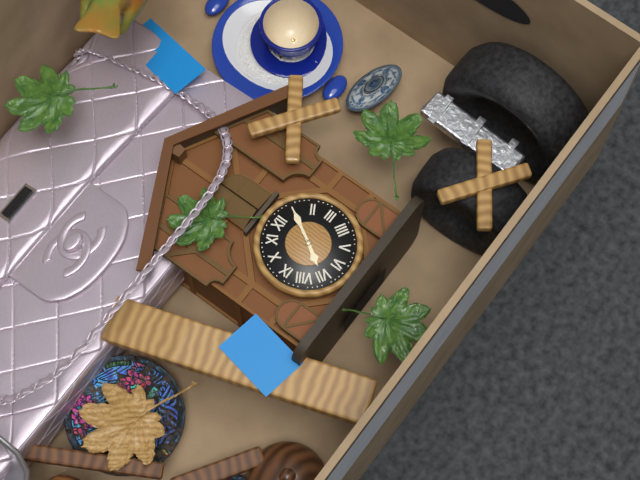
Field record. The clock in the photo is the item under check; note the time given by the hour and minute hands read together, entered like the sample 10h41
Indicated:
7h05
